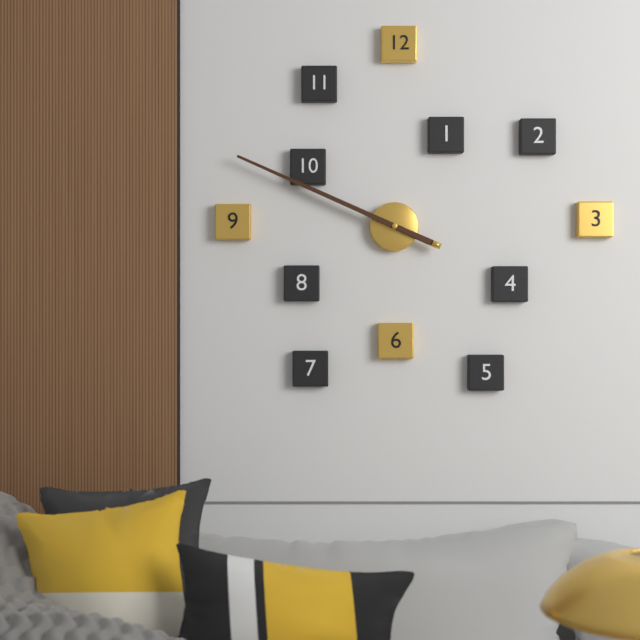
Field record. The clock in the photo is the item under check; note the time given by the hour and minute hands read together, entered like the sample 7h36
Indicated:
9h49
